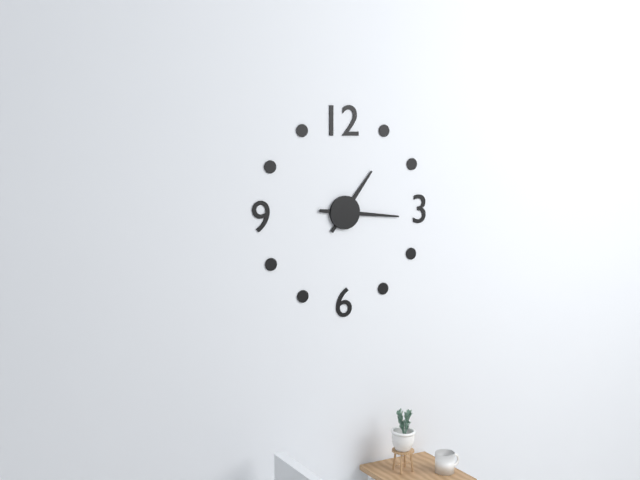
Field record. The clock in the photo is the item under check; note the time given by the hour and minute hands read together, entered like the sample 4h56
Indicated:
1h16
